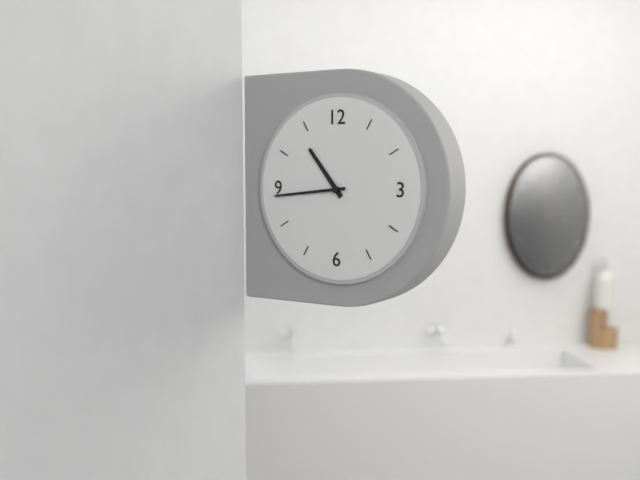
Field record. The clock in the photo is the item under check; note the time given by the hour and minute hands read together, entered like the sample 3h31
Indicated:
10h44
